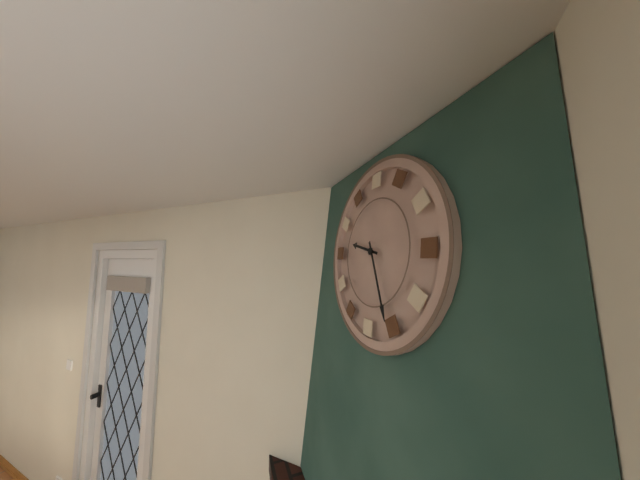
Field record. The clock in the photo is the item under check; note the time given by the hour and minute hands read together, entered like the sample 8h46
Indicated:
9h26
